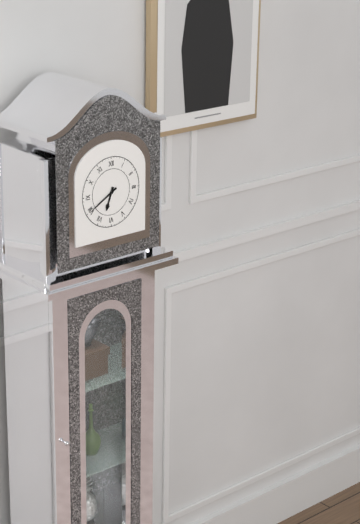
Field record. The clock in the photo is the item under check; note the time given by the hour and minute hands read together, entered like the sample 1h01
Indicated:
6h40
